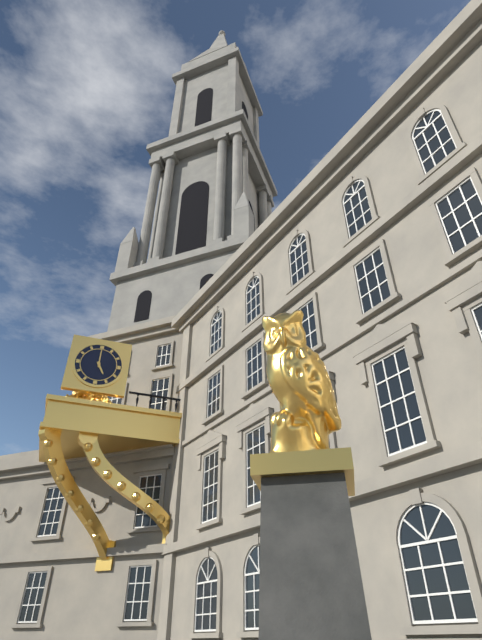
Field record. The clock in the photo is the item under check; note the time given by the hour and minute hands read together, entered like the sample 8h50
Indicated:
5h00
